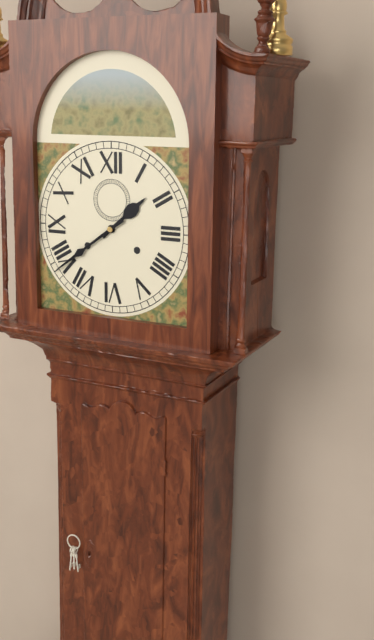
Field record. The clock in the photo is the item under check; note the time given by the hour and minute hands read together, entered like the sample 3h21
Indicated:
1h39
